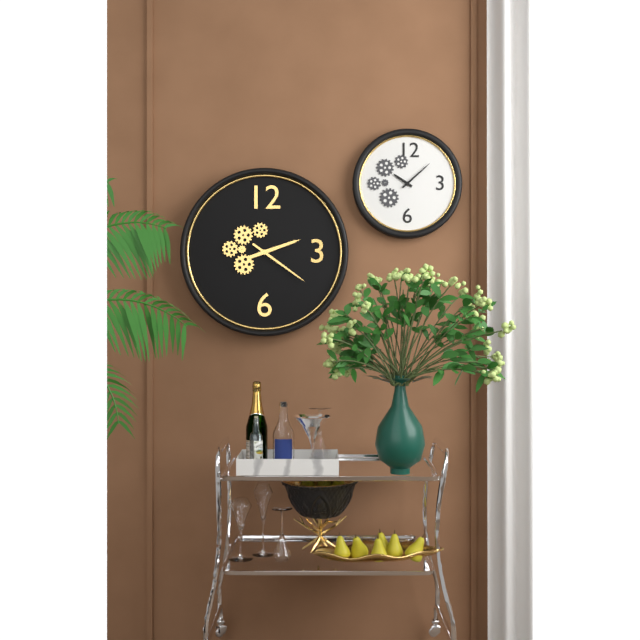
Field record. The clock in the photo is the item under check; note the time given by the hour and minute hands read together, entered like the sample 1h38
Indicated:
2h21
